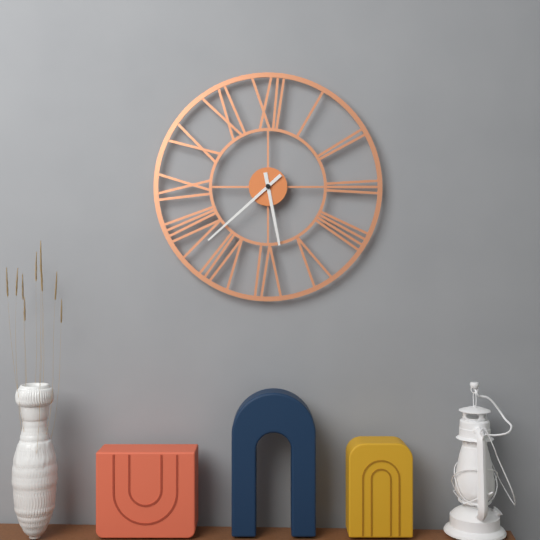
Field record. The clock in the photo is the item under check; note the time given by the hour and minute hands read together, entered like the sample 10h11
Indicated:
5h38
